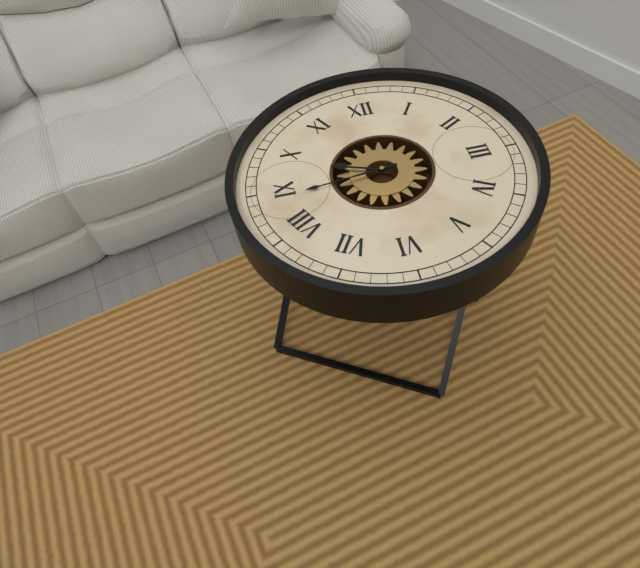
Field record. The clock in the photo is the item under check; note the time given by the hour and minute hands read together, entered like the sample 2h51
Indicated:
9h44
